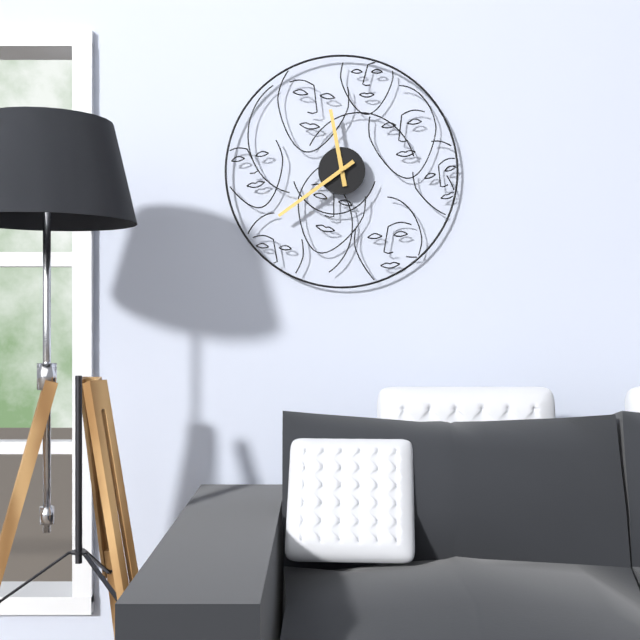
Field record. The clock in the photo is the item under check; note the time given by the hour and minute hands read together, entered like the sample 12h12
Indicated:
11h39
